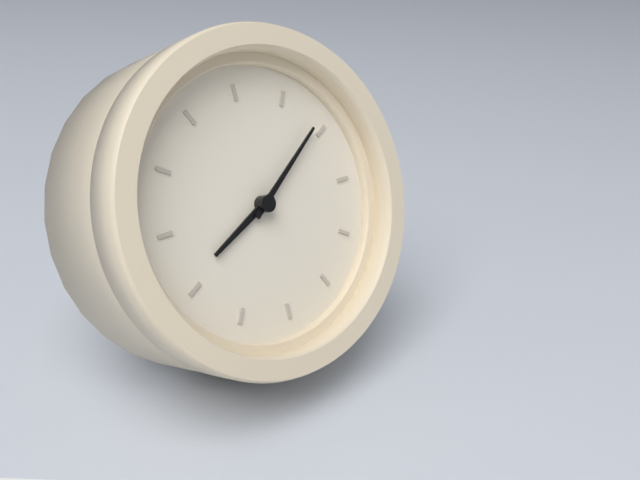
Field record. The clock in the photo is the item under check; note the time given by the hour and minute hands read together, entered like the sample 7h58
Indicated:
8h09
